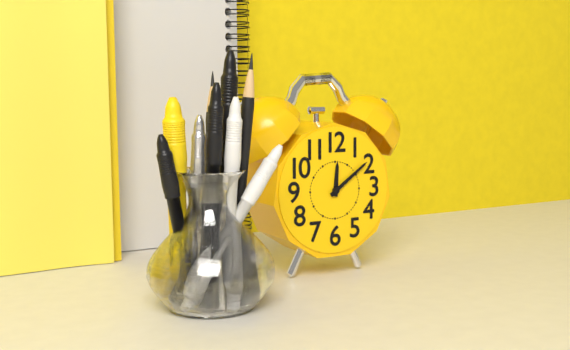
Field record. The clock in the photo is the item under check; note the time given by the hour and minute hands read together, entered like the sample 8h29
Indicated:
12h09
